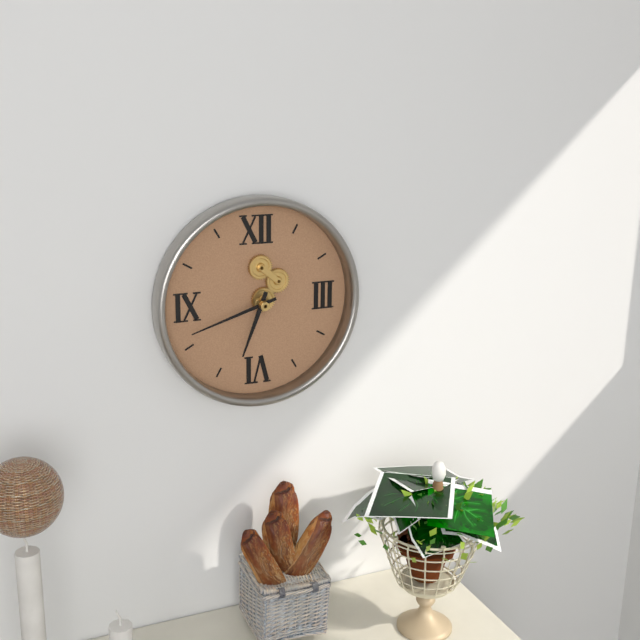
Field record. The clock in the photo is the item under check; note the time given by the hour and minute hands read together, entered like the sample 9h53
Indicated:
6h42
